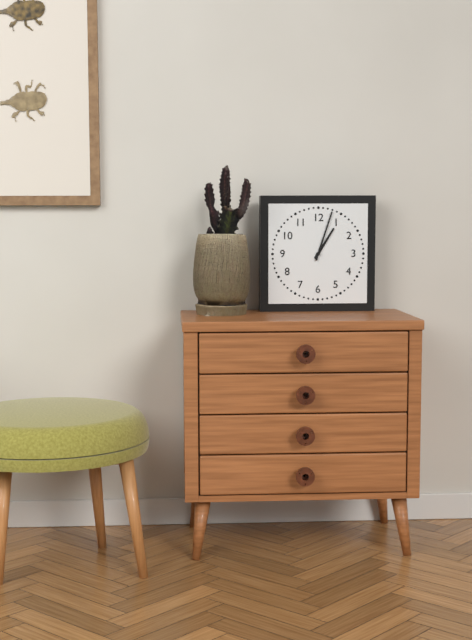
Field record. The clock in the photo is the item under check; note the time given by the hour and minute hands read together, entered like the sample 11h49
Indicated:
1h03
